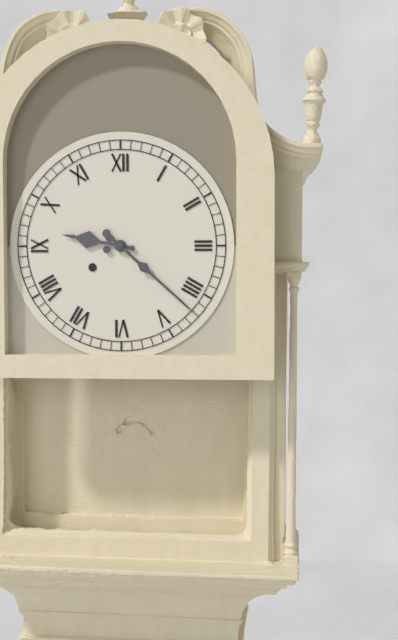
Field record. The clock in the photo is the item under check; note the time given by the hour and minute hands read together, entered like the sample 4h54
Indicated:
9h22
